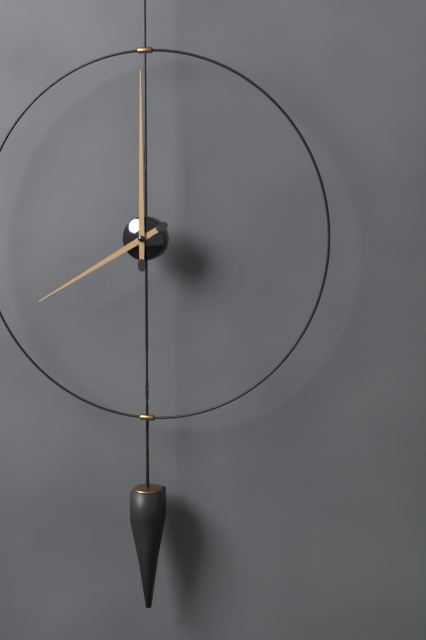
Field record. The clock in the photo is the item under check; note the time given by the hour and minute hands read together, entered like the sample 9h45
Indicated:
8h00
